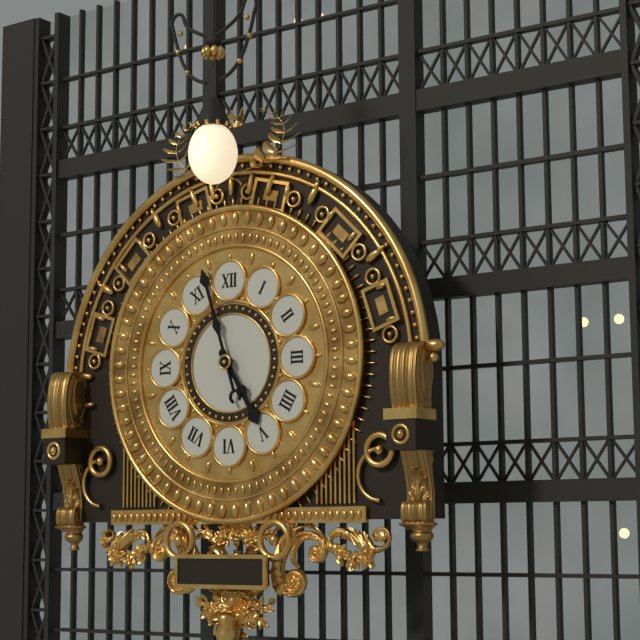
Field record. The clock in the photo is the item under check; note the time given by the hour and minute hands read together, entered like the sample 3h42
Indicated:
4h57
